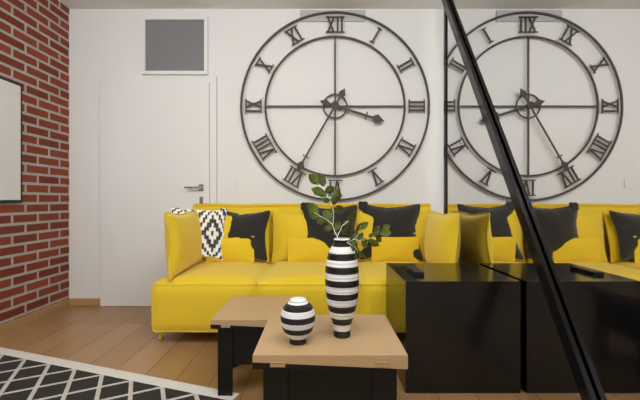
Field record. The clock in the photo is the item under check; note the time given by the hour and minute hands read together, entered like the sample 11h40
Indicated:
3h35
